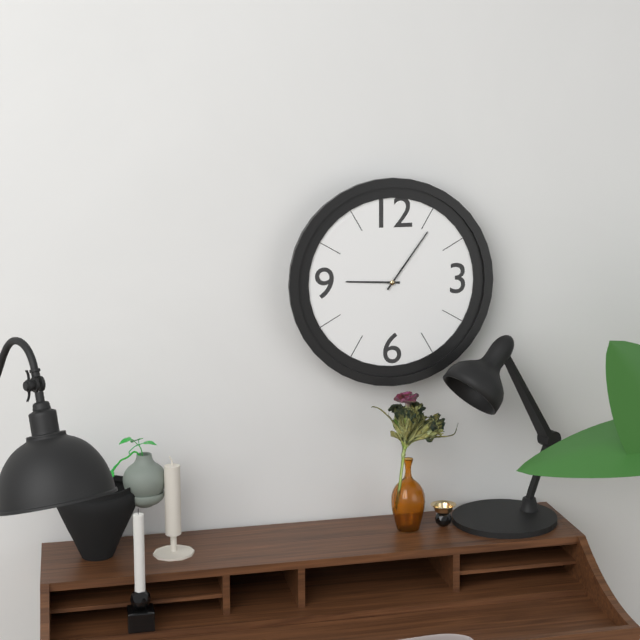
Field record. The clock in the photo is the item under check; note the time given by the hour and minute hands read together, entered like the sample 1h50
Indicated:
9h06
